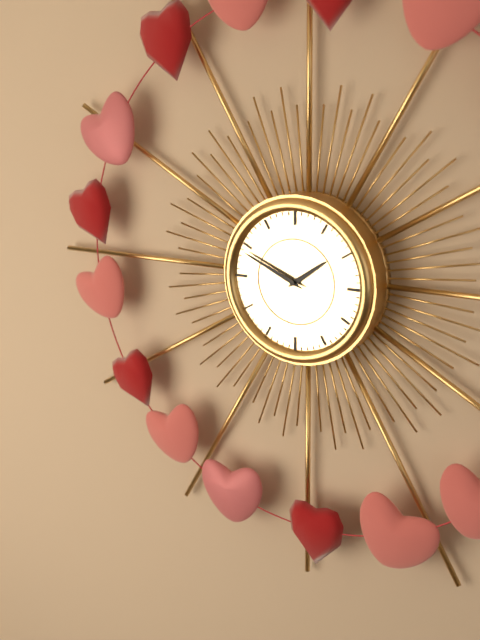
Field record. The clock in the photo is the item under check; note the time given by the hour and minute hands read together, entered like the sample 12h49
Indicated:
1h49
